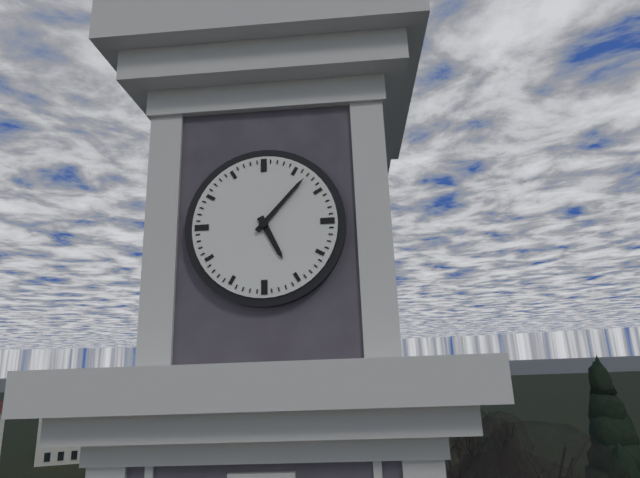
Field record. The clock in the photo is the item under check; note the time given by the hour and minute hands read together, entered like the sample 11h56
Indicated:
5h07
